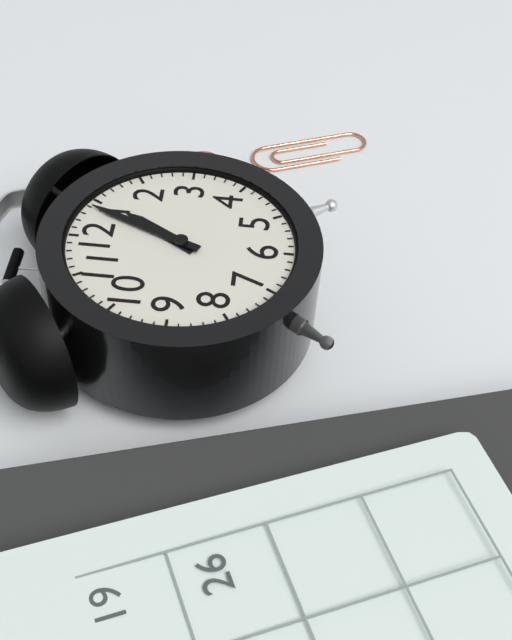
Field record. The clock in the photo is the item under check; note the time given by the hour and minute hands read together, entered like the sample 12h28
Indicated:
1h04
